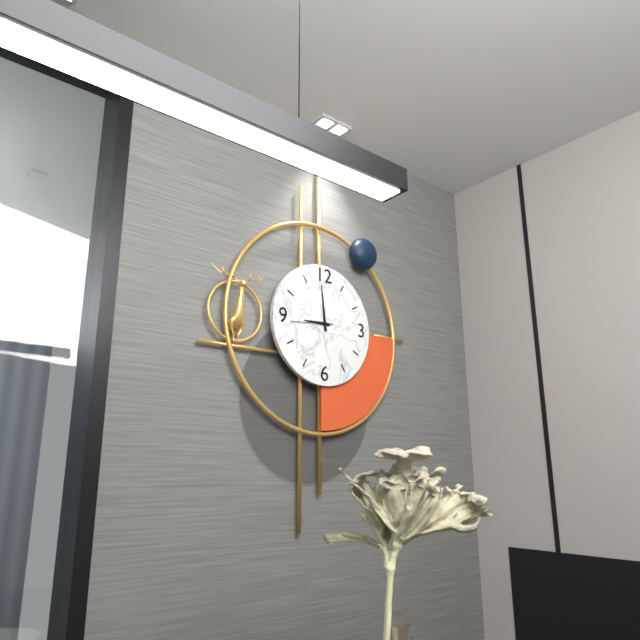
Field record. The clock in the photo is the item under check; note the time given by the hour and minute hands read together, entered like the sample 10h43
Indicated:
8h59
